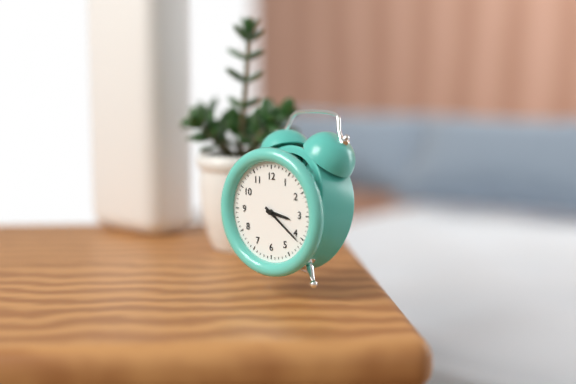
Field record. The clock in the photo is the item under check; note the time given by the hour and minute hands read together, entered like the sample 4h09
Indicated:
3h21
